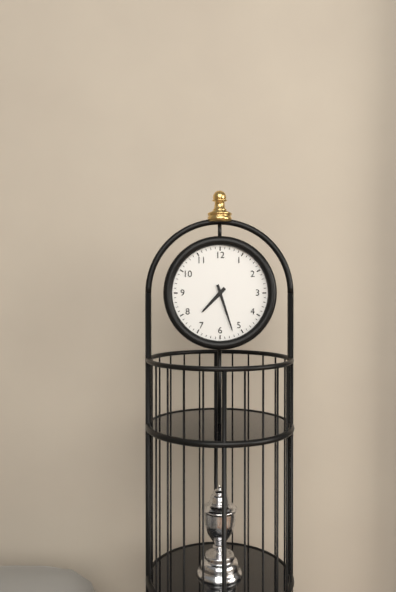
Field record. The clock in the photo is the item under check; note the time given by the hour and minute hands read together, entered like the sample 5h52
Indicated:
7h27
